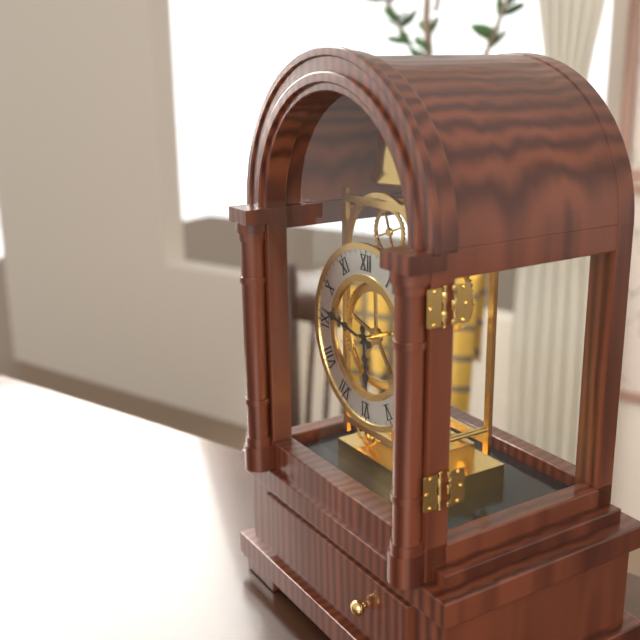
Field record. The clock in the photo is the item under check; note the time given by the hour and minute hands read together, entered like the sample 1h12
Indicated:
5h47
